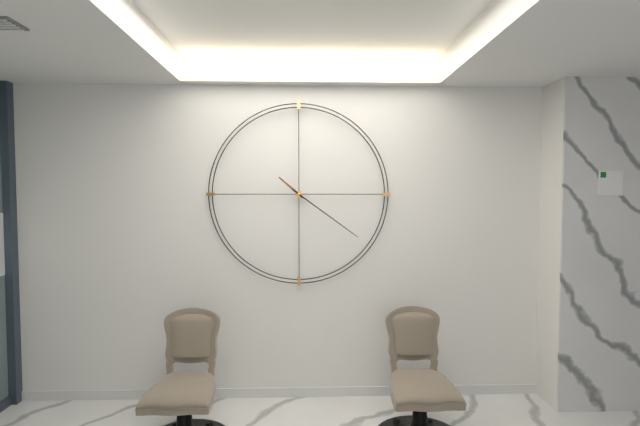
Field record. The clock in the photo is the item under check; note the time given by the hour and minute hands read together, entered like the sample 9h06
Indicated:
10h21
